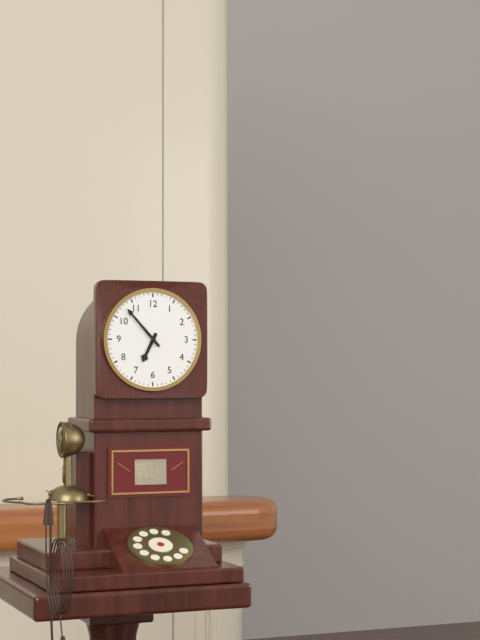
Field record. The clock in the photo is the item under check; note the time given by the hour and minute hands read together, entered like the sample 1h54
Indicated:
6h53
